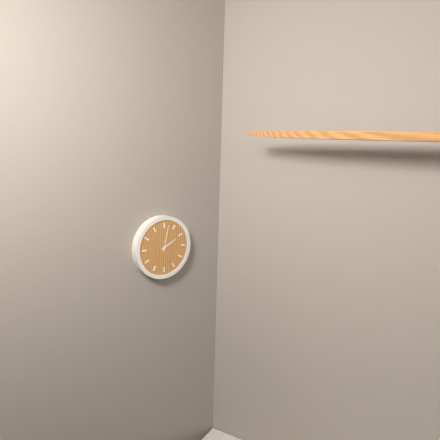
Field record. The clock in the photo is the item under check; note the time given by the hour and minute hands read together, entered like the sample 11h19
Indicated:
2h02
